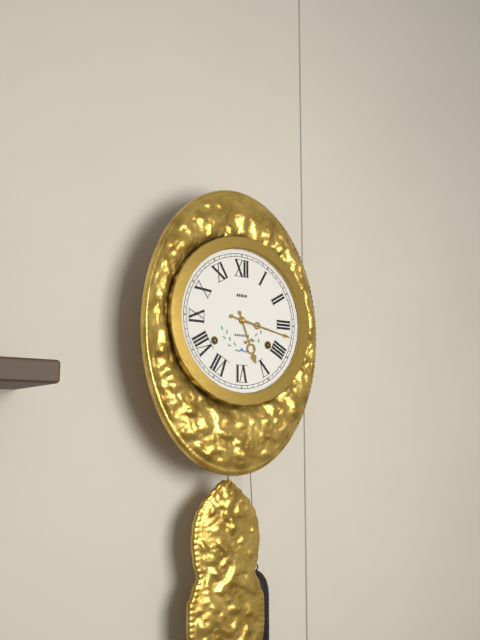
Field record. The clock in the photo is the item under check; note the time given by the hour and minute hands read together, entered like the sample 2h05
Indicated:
5h17
